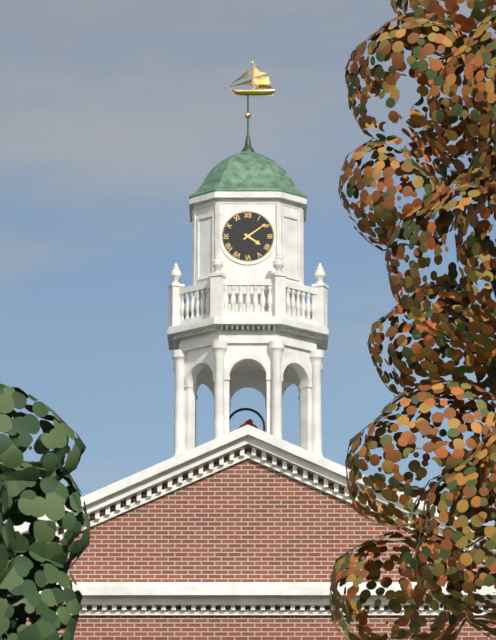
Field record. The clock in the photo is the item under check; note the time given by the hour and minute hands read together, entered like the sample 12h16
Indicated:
4h09
